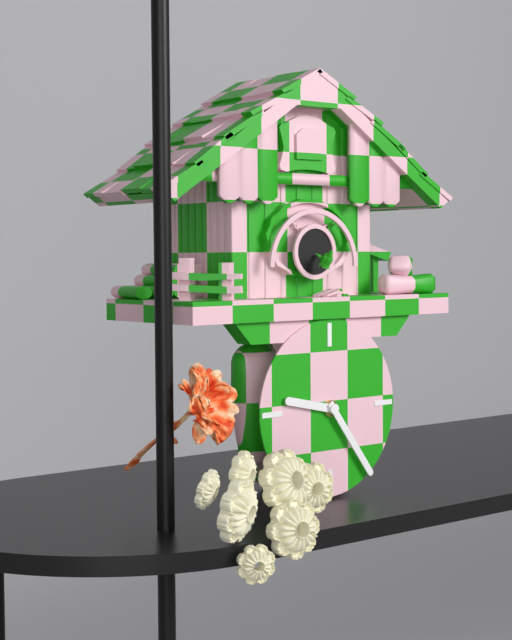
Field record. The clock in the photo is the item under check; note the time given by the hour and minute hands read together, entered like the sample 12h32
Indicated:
9h24
